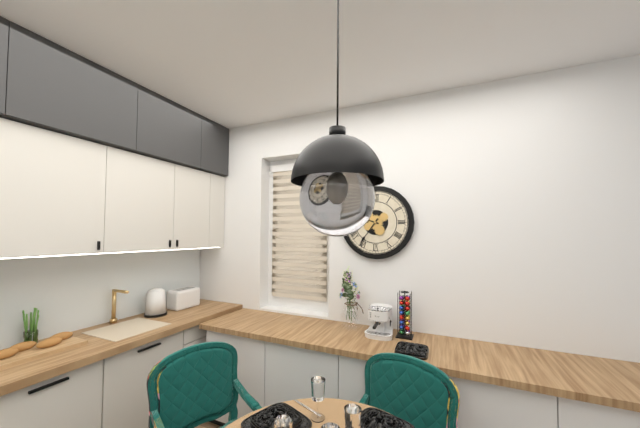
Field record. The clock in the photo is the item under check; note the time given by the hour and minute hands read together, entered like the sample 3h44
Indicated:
9h36
